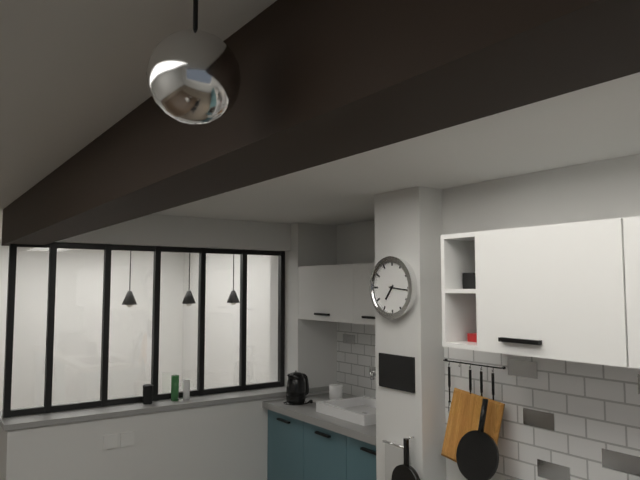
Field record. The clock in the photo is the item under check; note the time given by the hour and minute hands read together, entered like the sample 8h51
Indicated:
7h16
